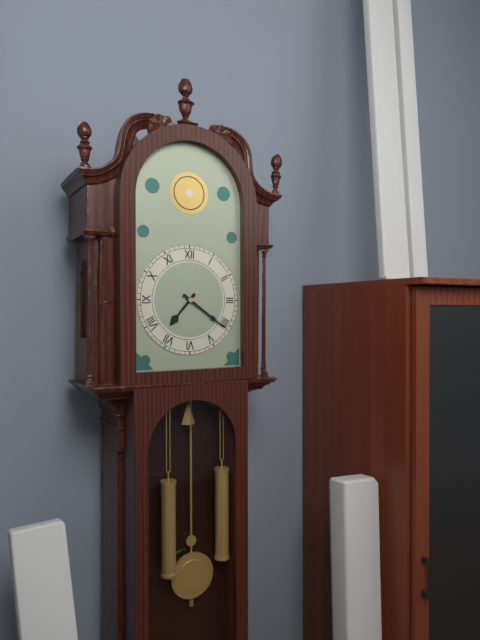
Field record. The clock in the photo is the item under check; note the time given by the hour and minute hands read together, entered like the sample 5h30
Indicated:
7h21
